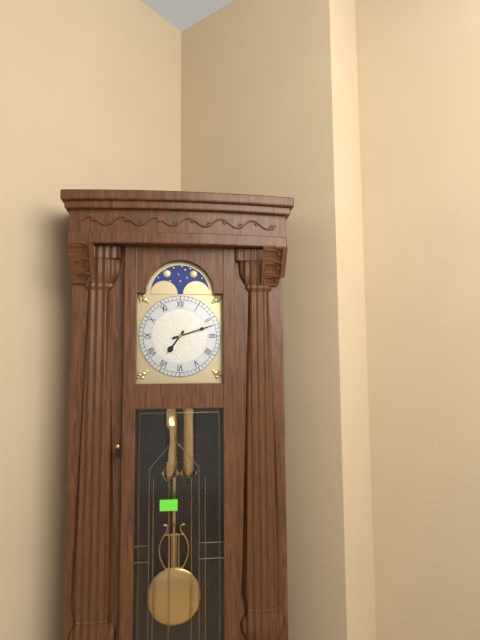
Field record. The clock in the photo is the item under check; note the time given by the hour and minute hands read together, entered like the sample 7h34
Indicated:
7h12
